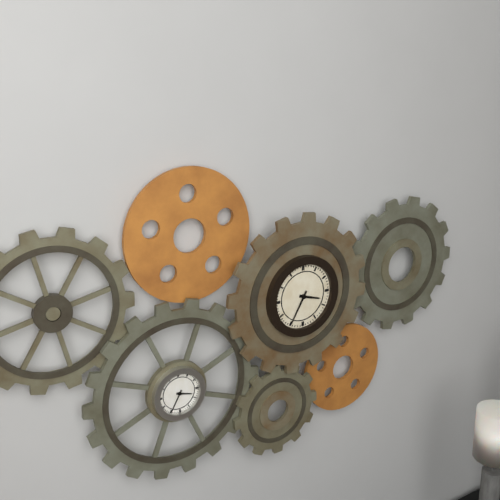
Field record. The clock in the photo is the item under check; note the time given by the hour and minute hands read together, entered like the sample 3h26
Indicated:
3h35
